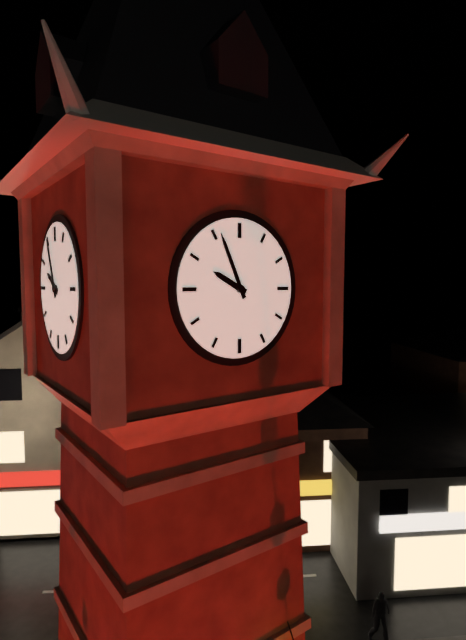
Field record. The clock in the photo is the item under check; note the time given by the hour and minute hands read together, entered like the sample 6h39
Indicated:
9h56
